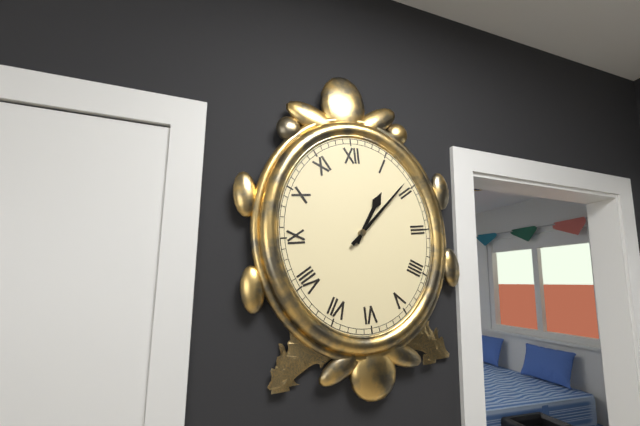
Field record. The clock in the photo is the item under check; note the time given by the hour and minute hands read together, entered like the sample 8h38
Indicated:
1h08
